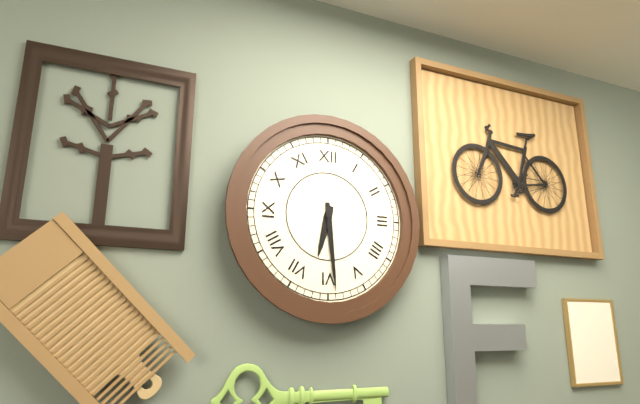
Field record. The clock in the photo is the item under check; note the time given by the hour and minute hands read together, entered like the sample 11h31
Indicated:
6h29
